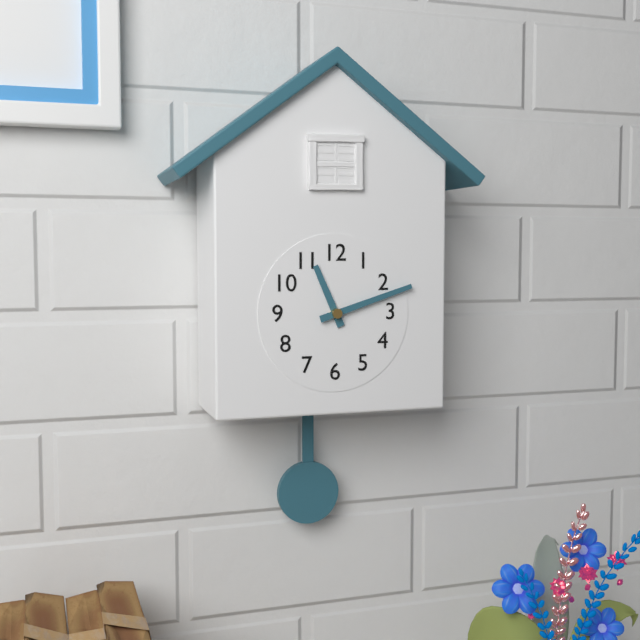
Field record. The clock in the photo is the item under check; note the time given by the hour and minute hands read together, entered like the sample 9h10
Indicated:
11h12
